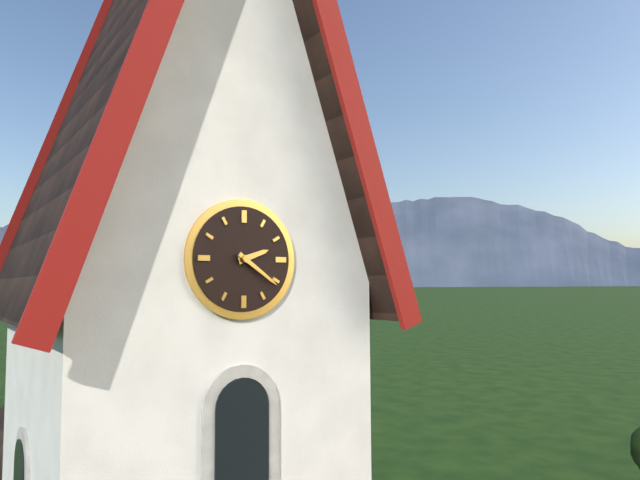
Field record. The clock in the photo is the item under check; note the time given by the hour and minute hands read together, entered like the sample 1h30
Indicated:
2h21
